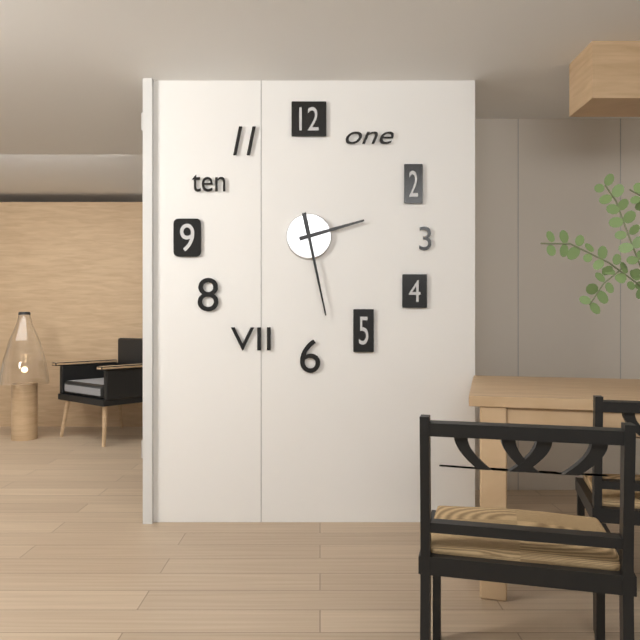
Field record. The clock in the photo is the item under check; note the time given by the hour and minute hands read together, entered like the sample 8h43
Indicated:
2h28
